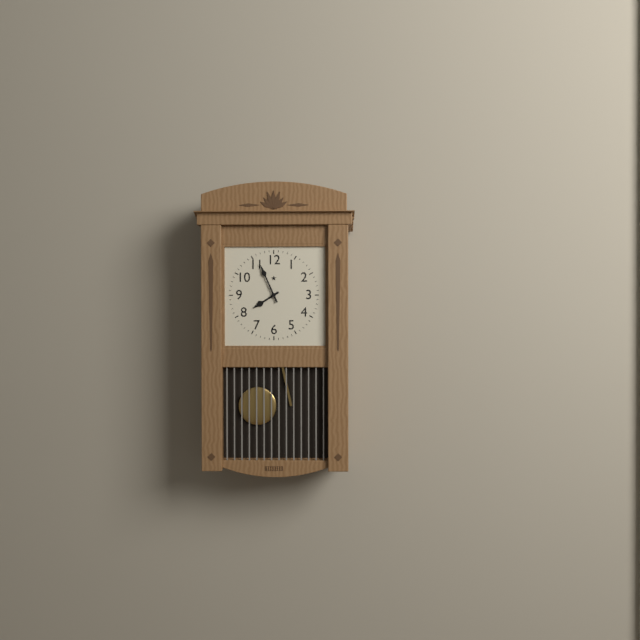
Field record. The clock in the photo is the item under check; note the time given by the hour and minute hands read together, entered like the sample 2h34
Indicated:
7h56
